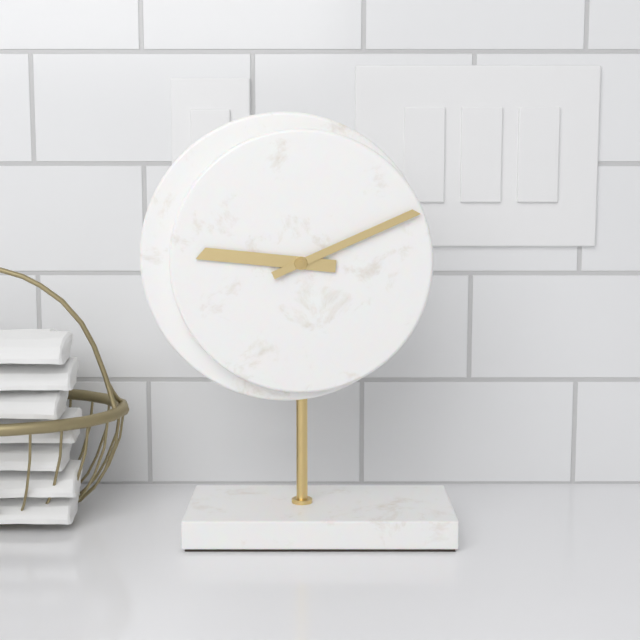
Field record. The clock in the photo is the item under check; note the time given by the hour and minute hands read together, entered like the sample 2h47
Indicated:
9h11
